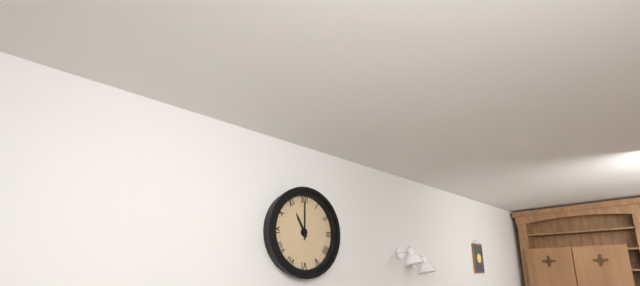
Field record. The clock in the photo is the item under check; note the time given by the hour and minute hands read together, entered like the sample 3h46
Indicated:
11h00
